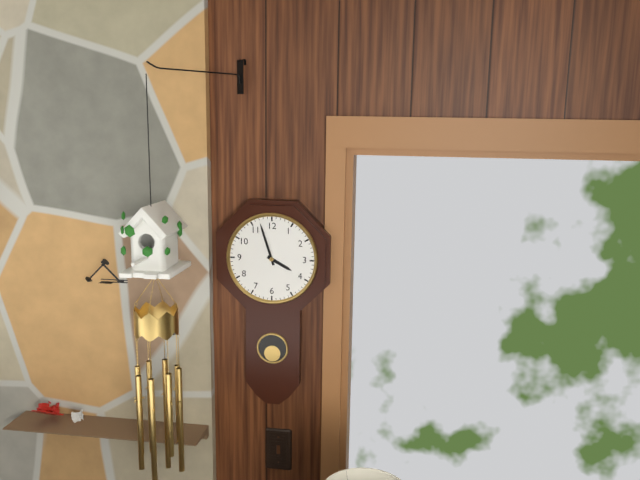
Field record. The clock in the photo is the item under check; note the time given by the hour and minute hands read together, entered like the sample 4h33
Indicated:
3h57
